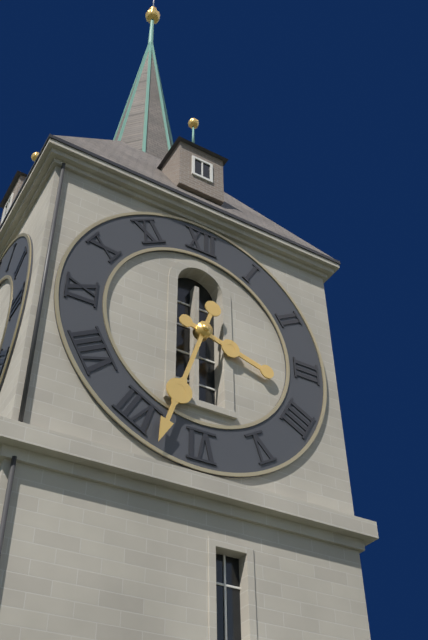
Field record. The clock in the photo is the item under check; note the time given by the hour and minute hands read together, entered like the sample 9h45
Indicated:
3h33
